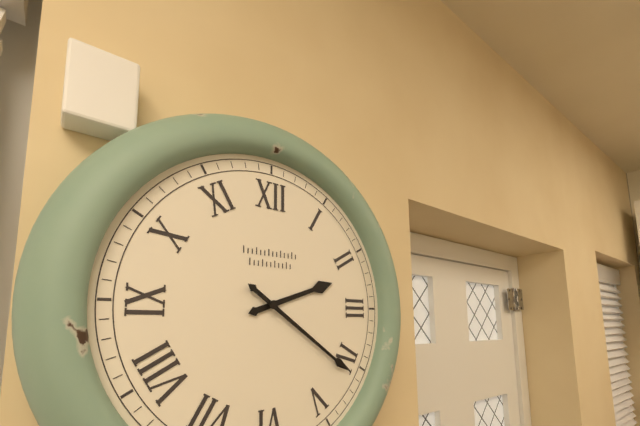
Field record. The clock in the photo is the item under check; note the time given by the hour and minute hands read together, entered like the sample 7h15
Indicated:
2h21
